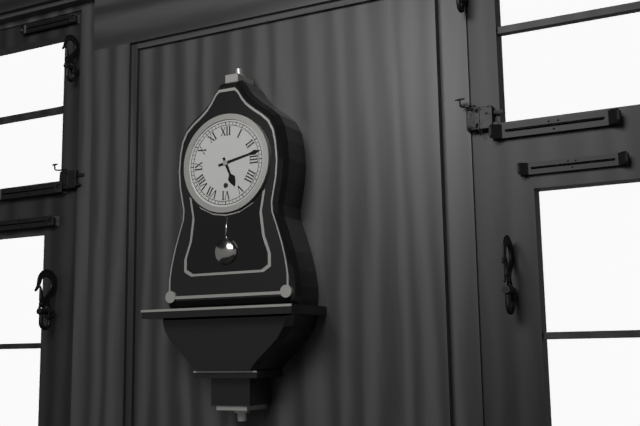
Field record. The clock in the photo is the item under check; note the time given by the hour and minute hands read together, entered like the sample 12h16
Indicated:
5h13
